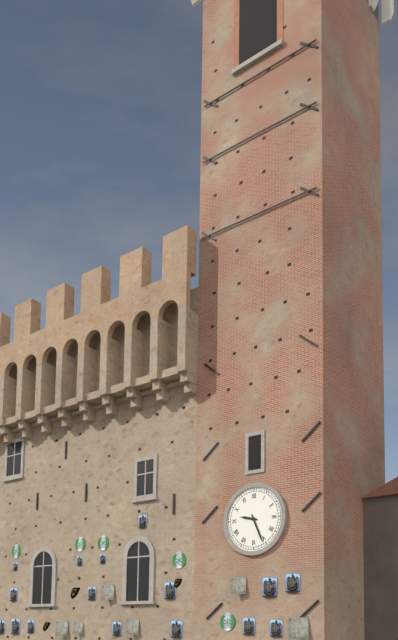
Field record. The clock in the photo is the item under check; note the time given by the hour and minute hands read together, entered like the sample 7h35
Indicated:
9h26
